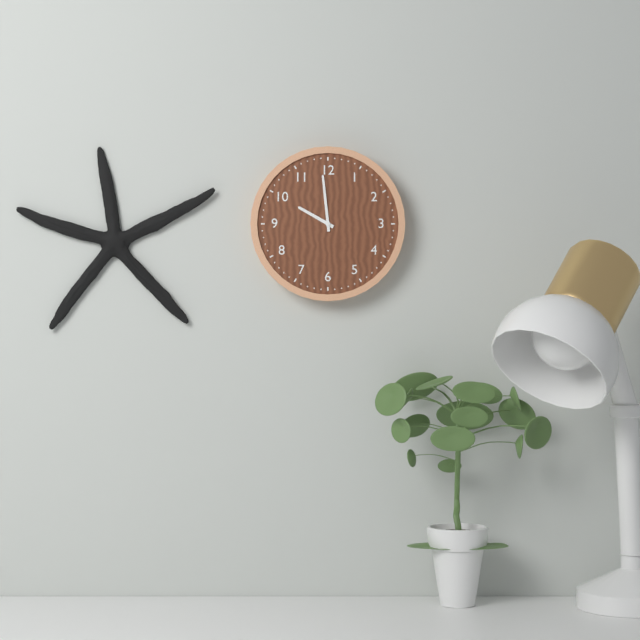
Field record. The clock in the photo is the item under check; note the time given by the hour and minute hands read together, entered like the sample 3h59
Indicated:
9h59
